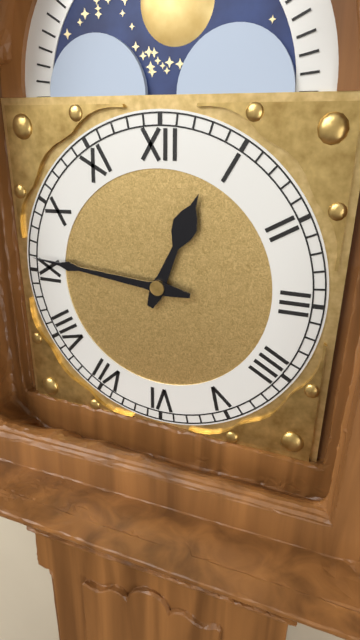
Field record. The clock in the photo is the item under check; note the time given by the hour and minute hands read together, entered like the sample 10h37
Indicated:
12h46
